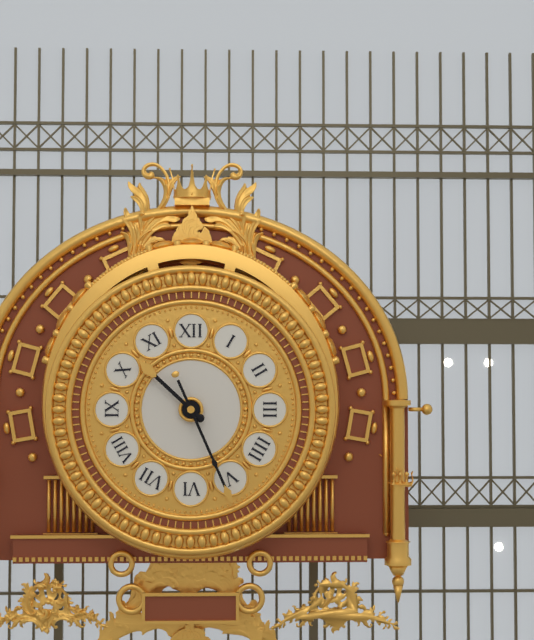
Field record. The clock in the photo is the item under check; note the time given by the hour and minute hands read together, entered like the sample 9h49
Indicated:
10h26
